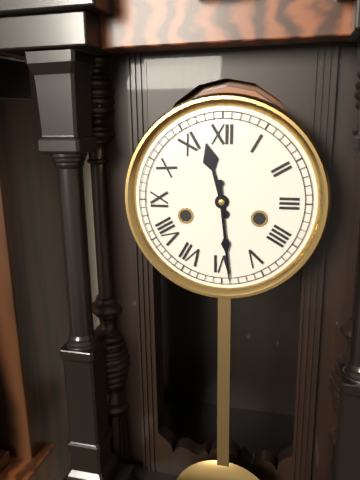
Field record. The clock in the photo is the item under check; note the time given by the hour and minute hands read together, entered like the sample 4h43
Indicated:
11h29
